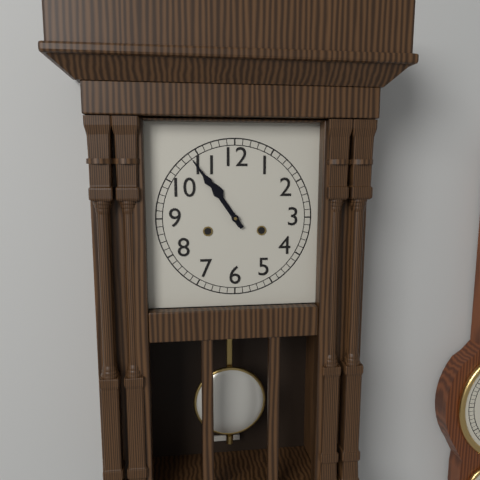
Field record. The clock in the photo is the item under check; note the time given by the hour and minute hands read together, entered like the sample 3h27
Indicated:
10h54
